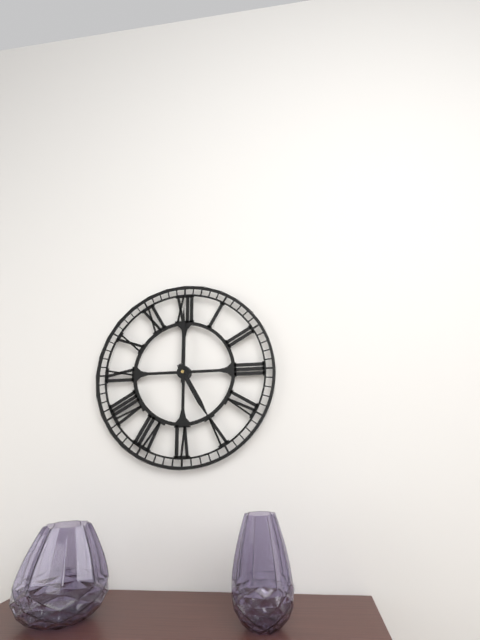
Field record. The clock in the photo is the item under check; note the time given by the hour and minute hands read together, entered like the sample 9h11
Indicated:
5h00
